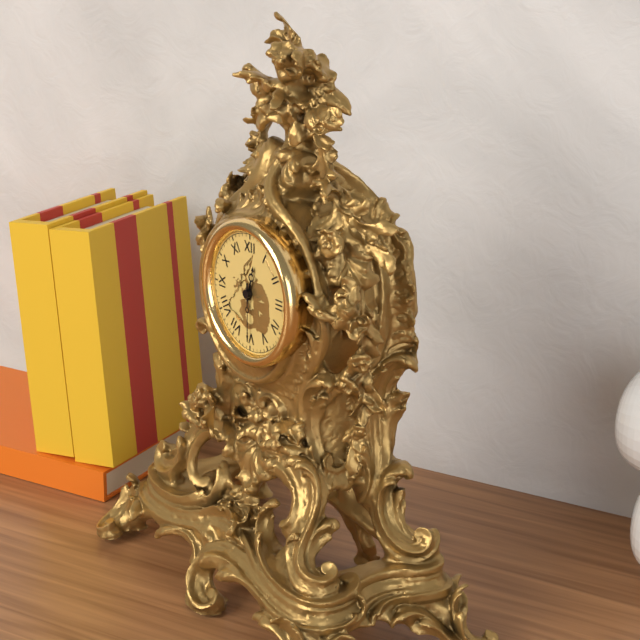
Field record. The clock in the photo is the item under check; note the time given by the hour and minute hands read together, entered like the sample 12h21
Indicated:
12h30
